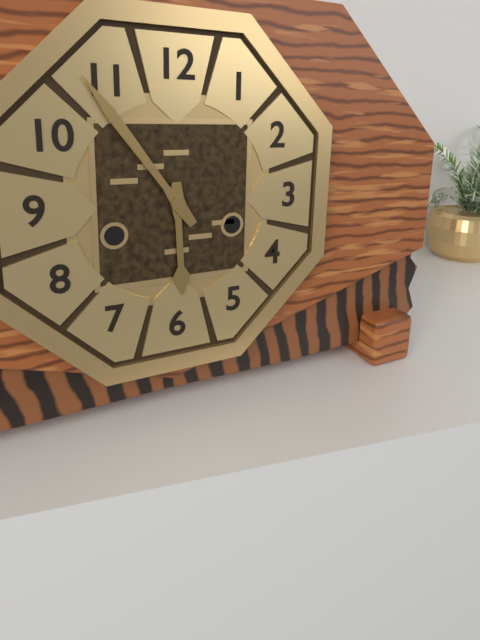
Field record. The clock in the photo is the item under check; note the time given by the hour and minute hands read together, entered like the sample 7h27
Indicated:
5h54
